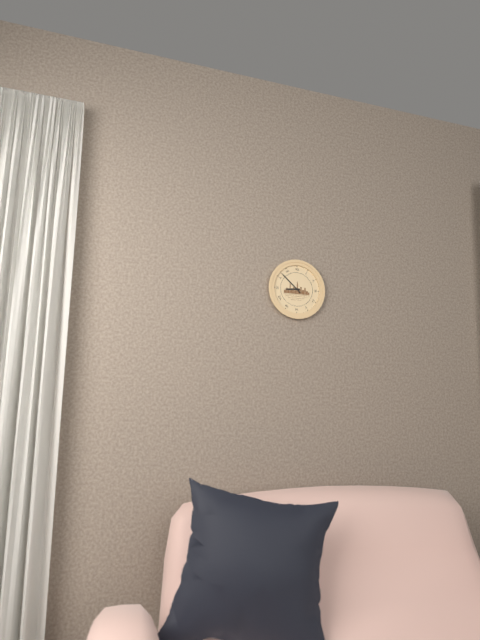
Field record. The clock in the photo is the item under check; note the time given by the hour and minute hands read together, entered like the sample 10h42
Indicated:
8h52
